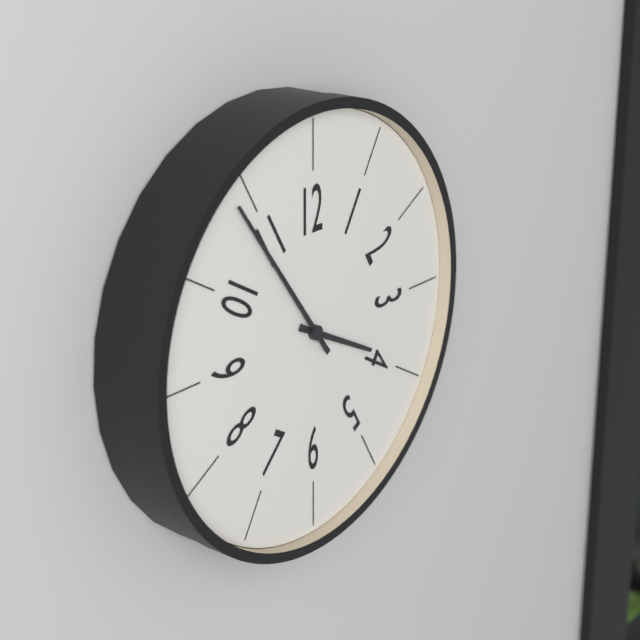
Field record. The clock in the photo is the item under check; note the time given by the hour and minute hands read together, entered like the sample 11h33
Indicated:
3h54
